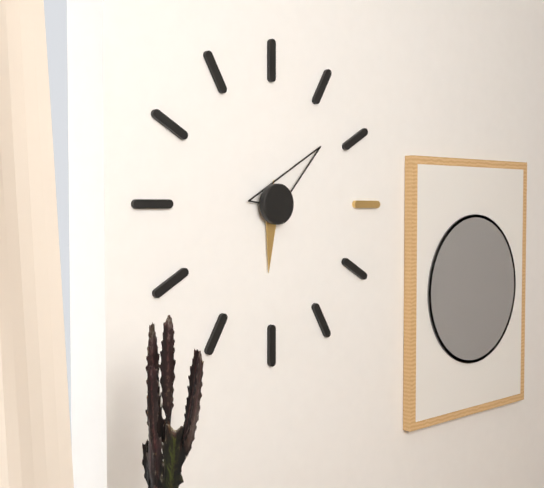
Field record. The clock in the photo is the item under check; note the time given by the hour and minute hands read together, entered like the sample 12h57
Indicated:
6h08
